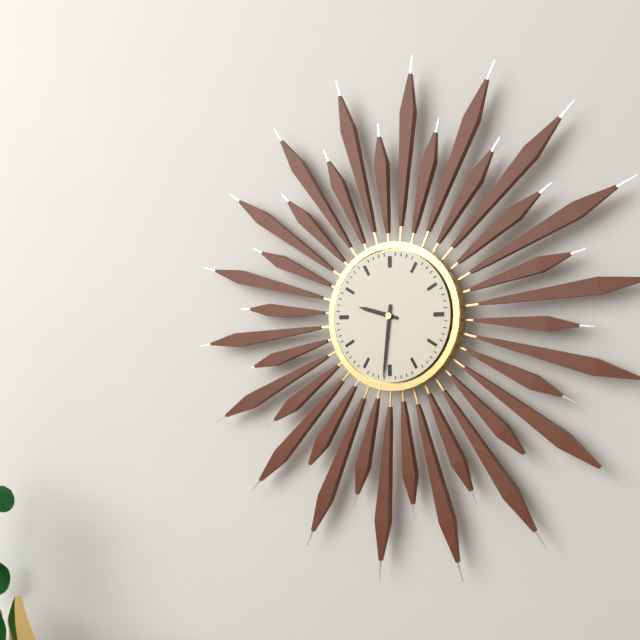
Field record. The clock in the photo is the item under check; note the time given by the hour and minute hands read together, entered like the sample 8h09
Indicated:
9h31
